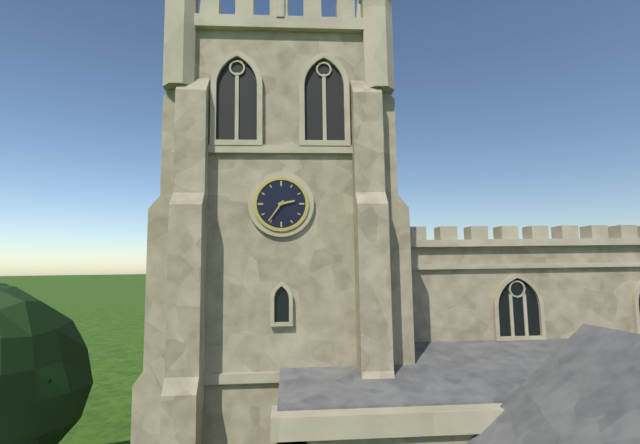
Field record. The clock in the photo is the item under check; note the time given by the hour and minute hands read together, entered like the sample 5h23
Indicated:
2h36
